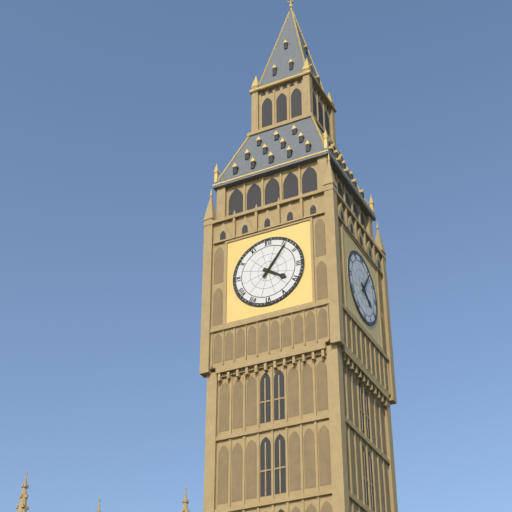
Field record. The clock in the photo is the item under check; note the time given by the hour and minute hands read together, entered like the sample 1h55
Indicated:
4h06
